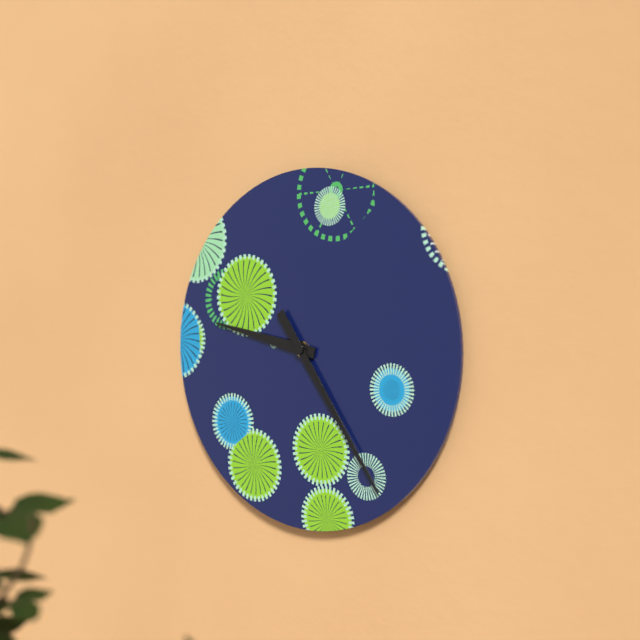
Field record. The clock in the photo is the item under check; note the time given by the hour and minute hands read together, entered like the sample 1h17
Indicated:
9h24
